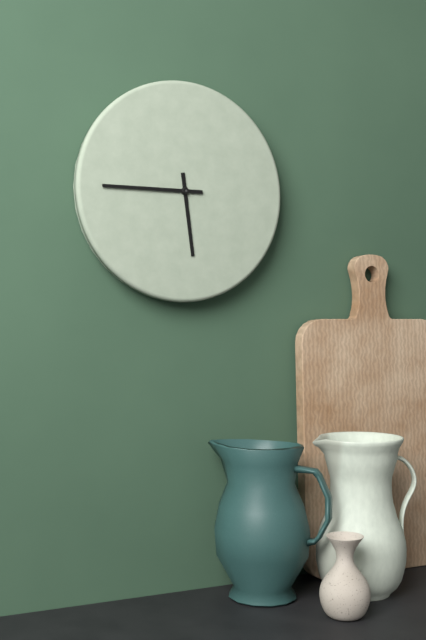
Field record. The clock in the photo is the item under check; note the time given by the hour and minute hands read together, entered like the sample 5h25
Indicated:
5h45
